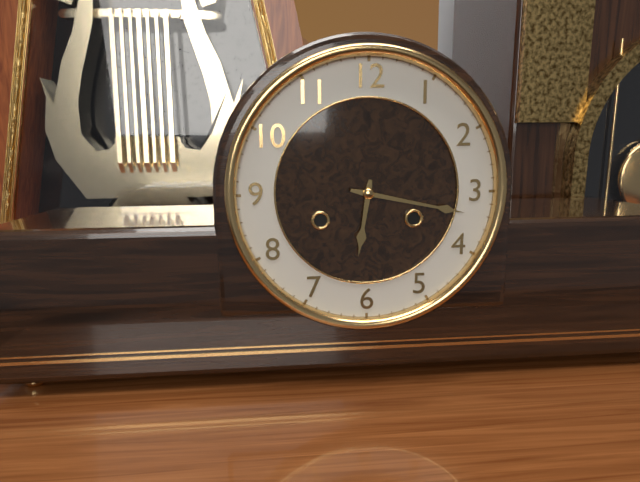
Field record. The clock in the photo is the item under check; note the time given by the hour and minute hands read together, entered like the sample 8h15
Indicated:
6h17
